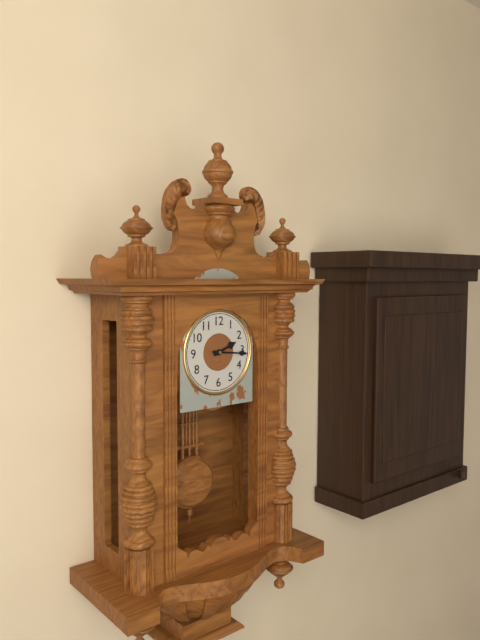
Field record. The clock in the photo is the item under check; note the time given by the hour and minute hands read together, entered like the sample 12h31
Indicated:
2h16
